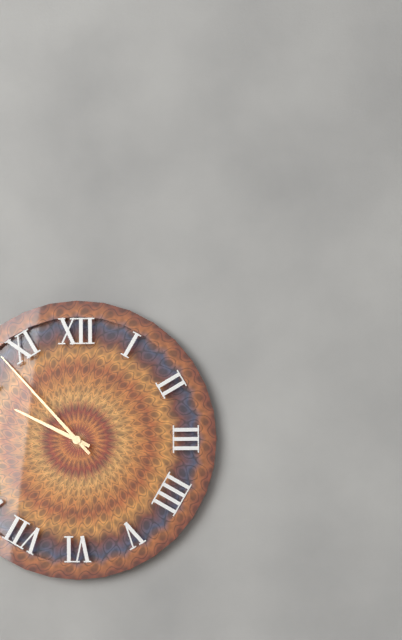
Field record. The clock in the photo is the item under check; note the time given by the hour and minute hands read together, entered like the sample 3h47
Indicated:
9h53
